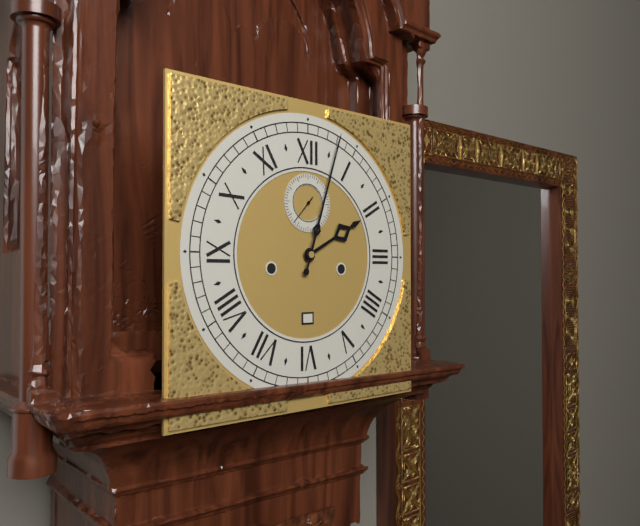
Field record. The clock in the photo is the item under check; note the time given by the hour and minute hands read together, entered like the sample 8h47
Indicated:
2h03
